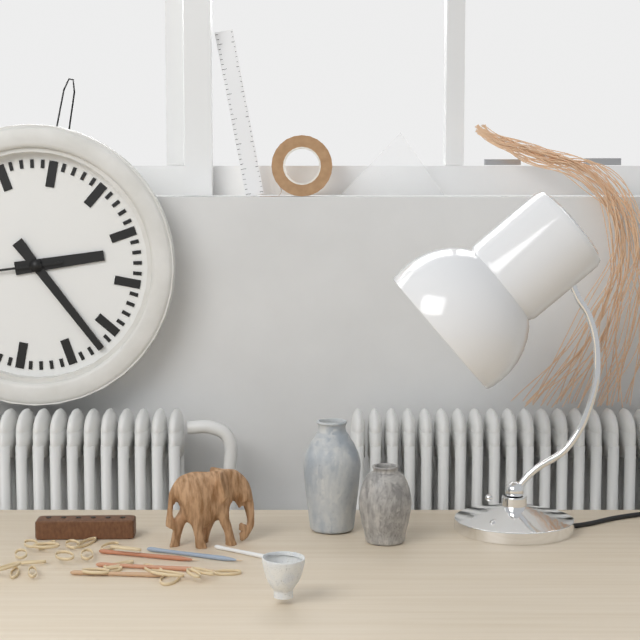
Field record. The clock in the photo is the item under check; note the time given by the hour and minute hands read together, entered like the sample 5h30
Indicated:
2h22
